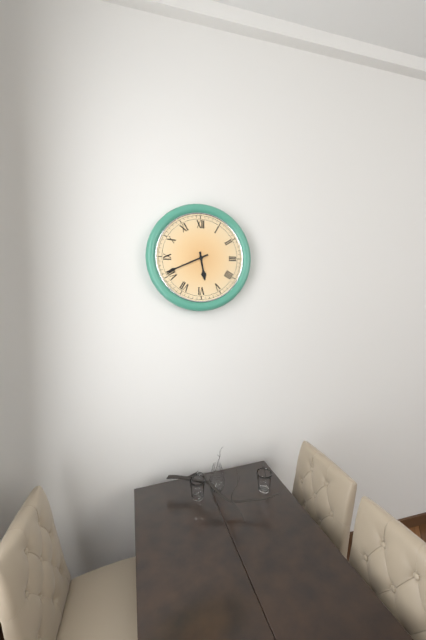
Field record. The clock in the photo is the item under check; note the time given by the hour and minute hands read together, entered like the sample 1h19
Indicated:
5h41
